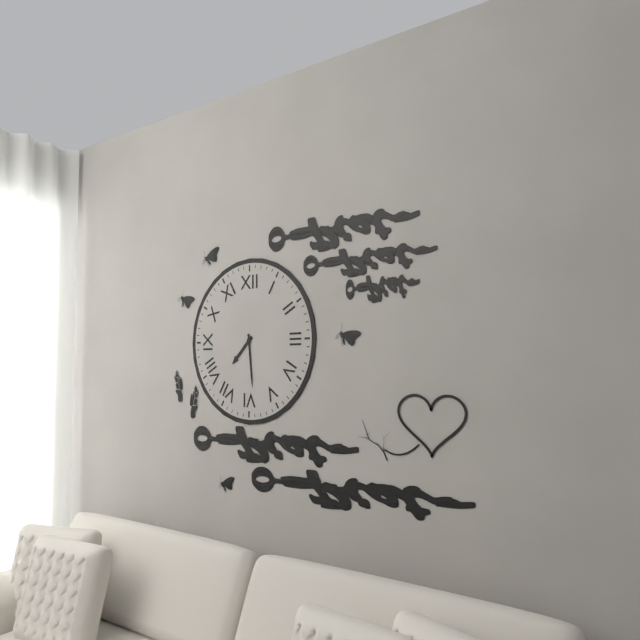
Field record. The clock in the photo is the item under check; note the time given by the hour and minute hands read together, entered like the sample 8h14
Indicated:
7h29
